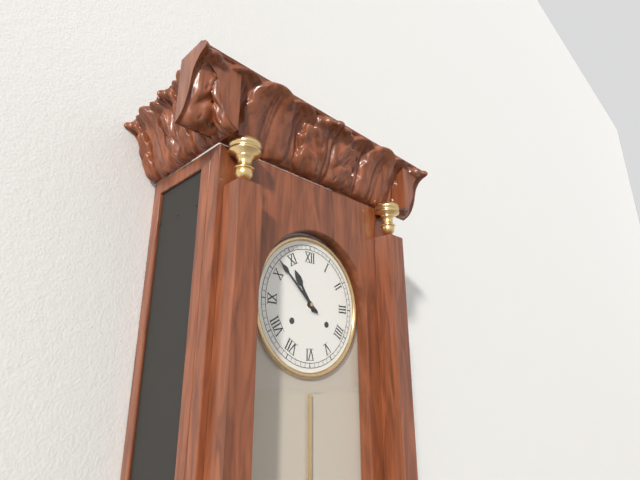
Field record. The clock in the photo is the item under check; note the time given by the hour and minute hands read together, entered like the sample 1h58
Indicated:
10h52
